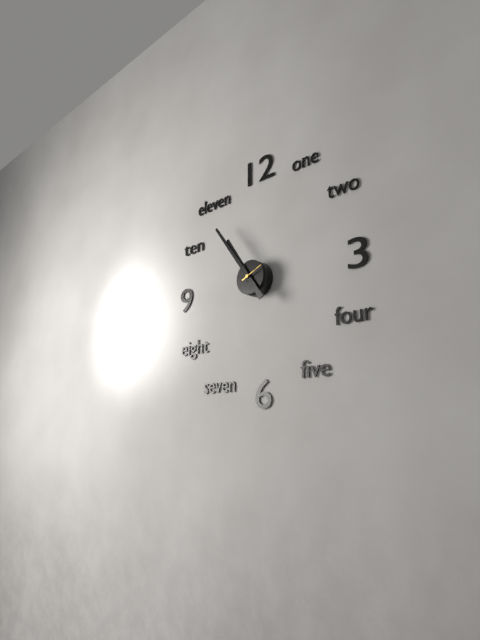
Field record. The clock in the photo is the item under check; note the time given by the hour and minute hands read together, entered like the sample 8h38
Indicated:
10h54
